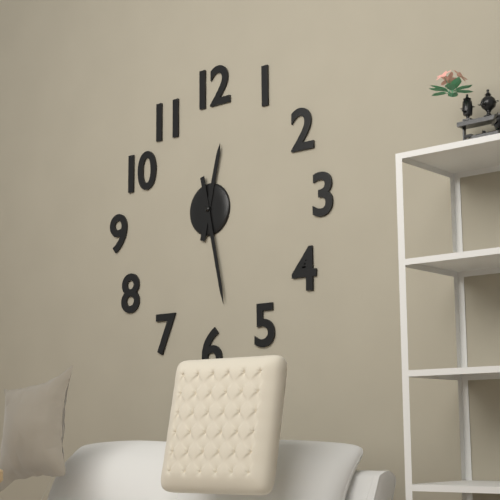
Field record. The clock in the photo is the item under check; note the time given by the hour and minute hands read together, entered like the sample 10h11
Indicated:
12h28
